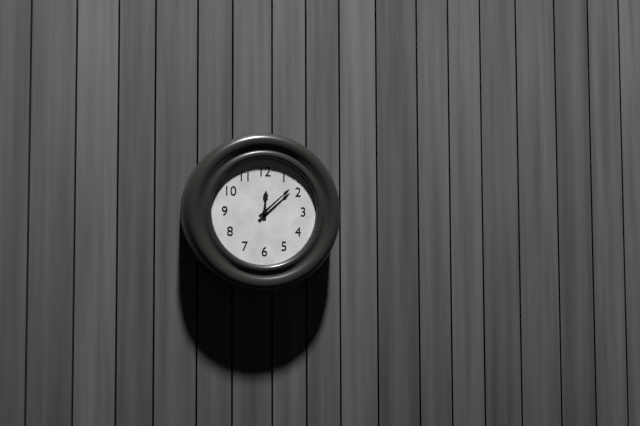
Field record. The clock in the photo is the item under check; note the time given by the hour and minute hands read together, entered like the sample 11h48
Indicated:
12h08
